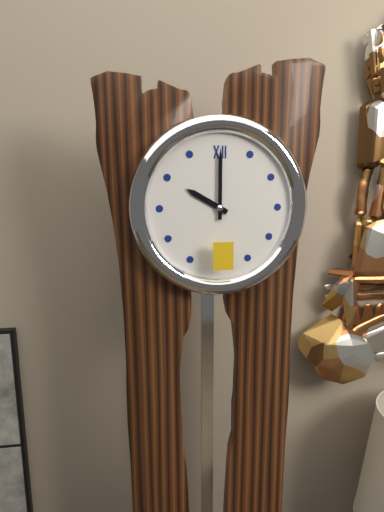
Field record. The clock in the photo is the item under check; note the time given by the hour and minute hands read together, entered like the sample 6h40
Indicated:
10h00
